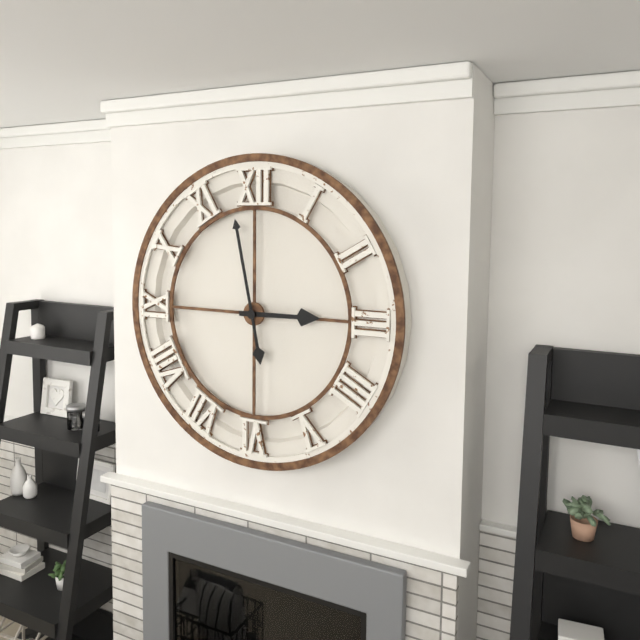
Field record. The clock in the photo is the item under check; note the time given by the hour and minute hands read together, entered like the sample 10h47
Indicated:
2h58
